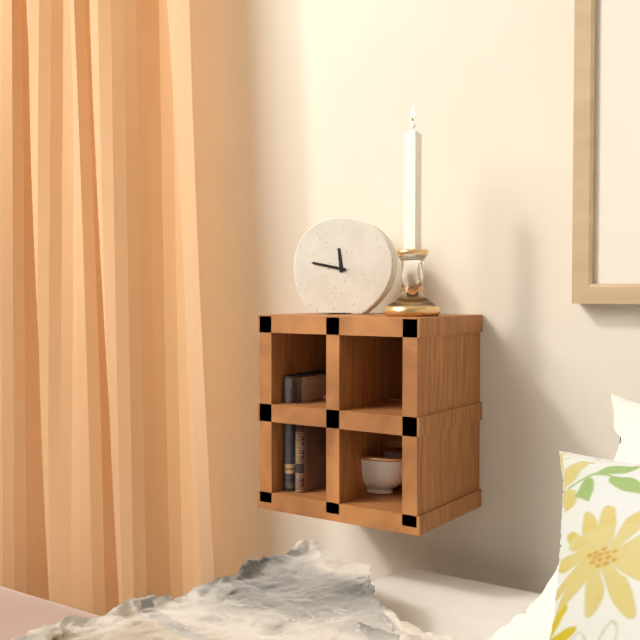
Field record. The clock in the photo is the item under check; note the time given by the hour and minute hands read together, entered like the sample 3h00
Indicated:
11h47
